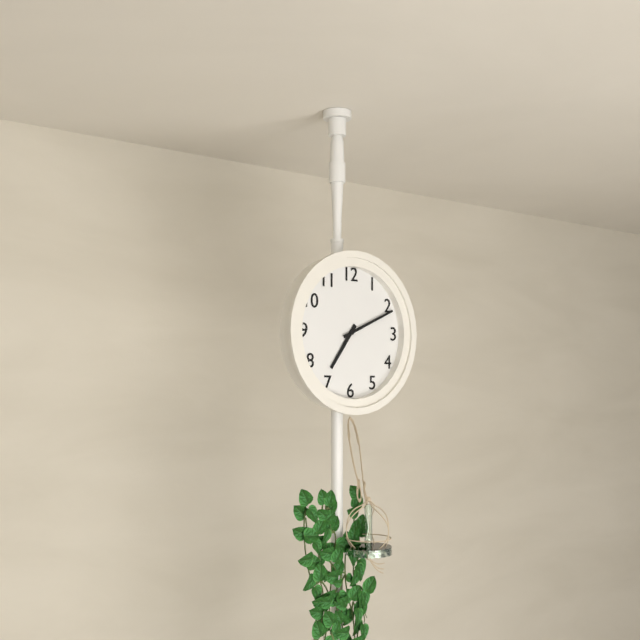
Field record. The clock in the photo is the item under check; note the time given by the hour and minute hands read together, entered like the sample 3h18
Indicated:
7h11
